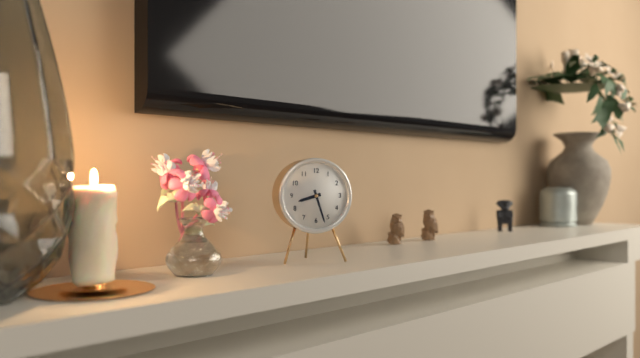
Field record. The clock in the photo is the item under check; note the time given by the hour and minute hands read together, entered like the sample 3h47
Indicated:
8h27
